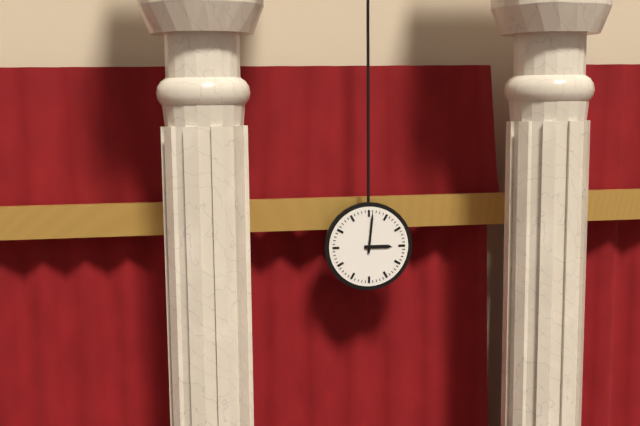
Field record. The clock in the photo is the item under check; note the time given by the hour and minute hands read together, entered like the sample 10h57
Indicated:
3h01
